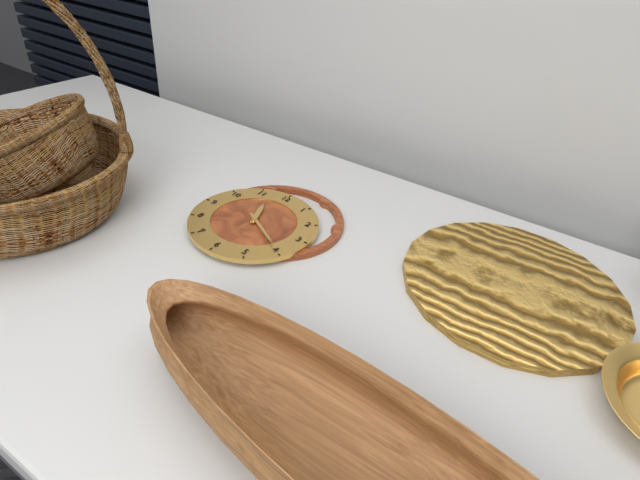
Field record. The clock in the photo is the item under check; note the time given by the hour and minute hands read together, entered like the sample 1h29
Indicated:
11h20
